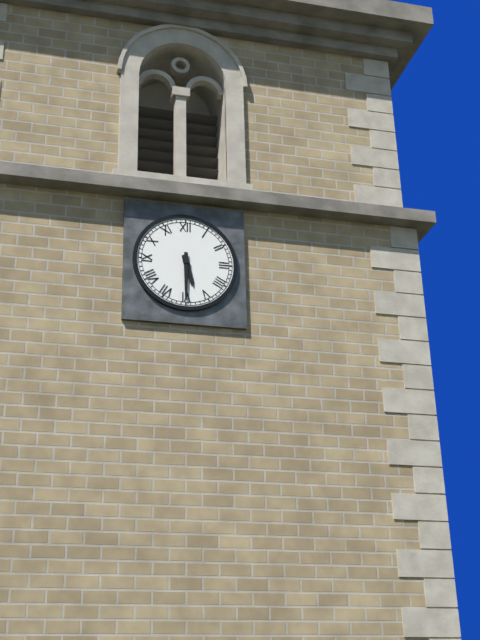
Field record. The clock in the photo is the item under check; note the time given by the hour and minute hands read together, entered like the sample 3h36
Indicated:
5h30
